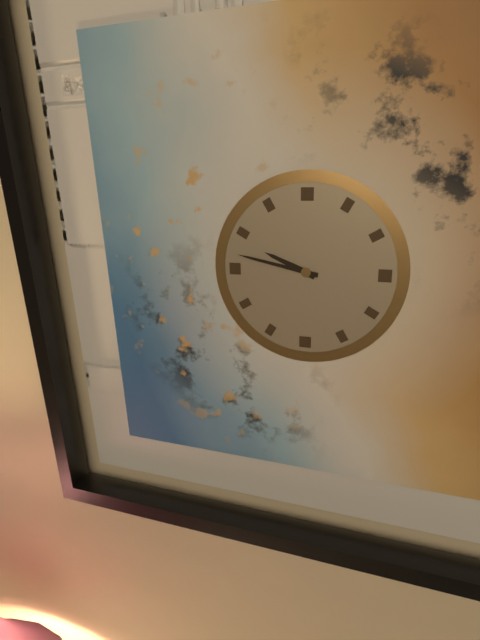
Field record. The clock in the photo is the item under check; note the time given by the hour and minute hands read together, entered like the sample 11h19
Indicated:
9h47
